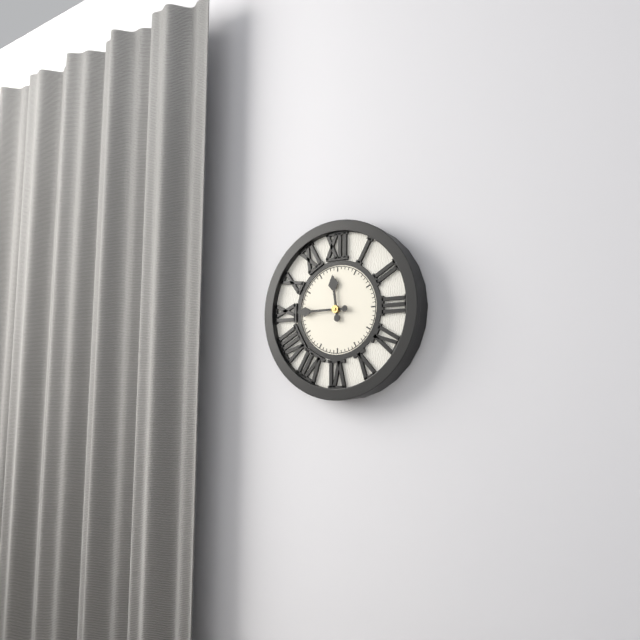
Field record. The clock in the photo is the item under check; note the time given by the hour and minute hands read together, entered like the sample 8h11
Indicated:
11h45
